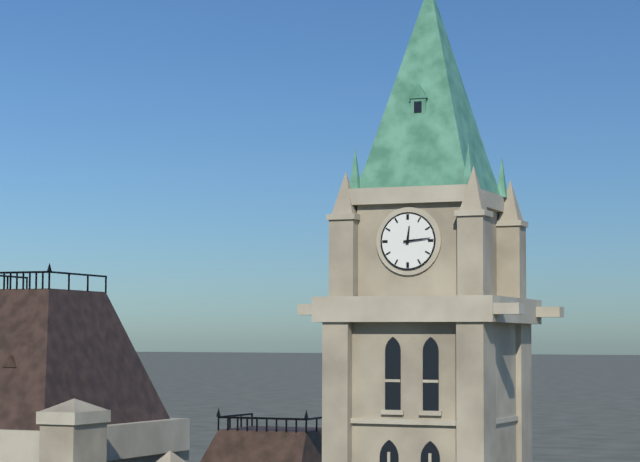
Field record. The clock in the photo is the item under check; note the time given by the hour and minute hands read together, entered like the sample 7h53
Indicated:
12h14
